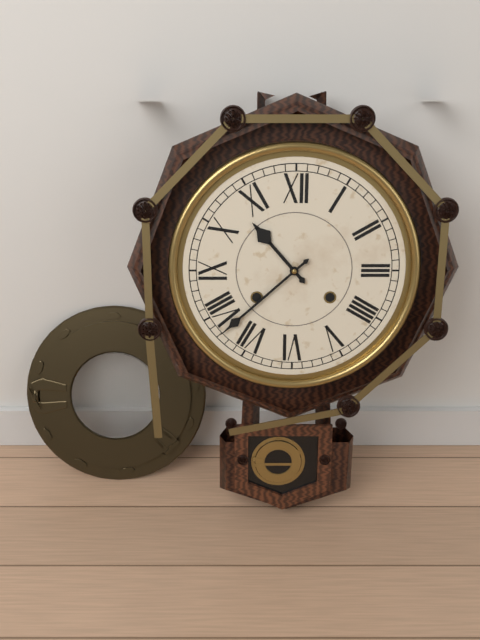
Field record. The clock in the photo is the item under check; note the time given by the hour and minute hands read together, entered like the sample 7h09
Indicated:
10h38
